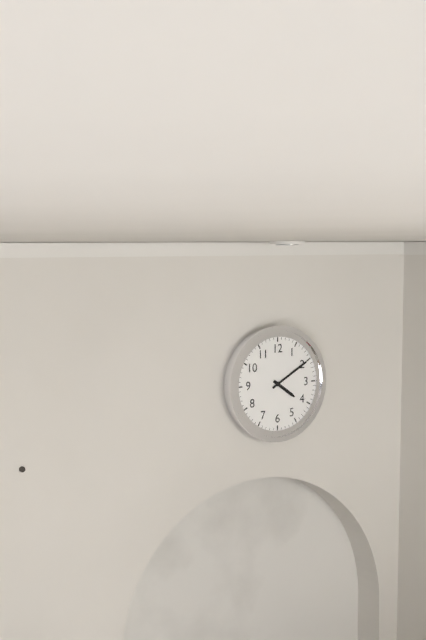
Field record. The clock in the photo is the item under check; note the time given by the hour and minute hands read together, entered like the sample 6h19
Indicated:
4h10
